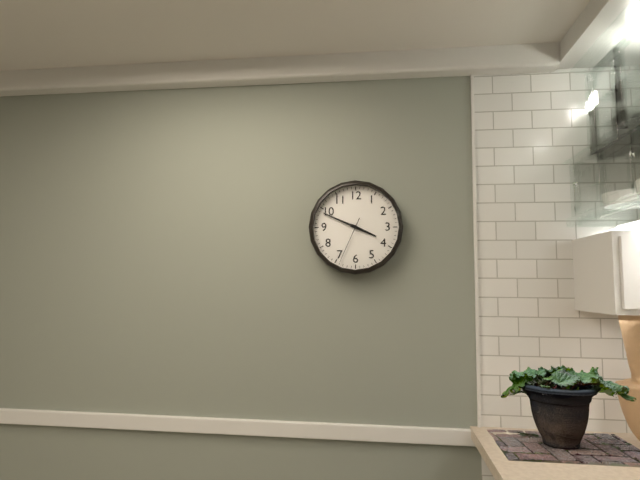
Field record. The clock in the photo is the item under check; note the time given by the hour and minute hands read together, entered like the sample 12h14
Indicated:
3h49
